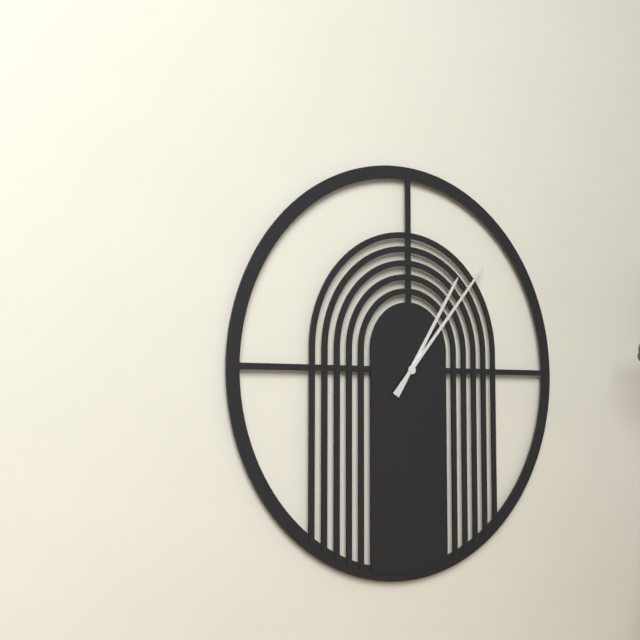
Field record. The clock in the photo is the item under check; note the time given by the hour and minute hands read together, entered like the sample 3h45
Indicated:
1h07
